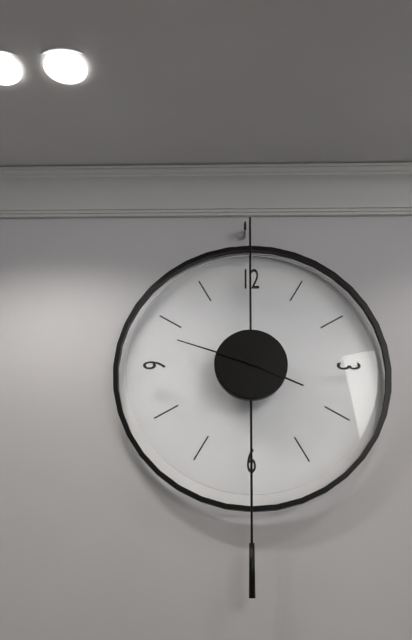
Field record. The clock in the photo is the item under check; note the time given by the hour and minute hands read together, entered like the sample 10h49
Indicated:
3h48
